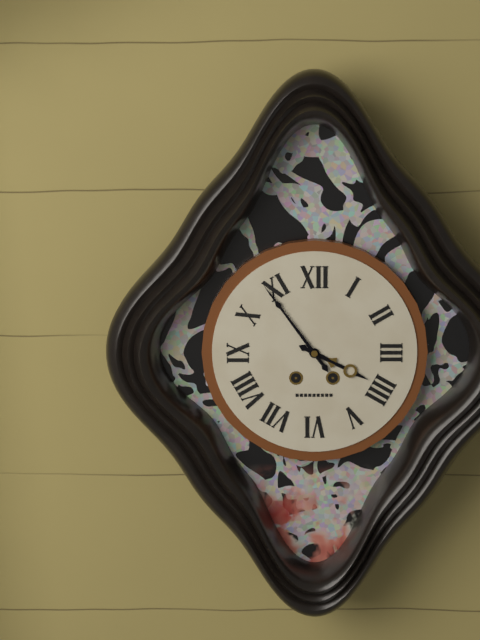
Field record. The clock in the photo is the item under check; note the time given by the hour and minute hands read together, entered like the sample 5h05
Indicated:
3h54
